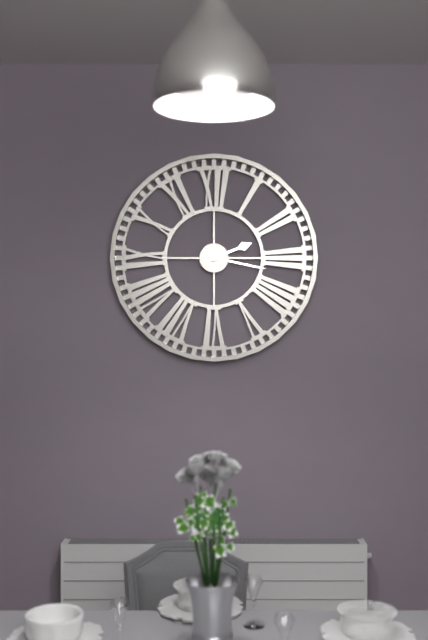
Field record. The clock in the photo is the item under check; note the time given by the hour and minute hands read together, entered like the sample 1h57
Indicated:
2h17
